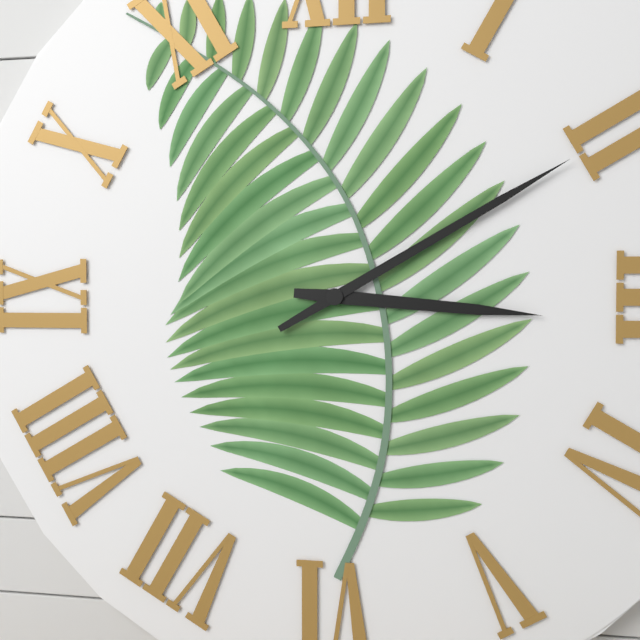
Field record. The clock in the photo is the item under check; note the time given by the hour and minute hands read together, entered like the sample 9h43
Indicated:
3h10
